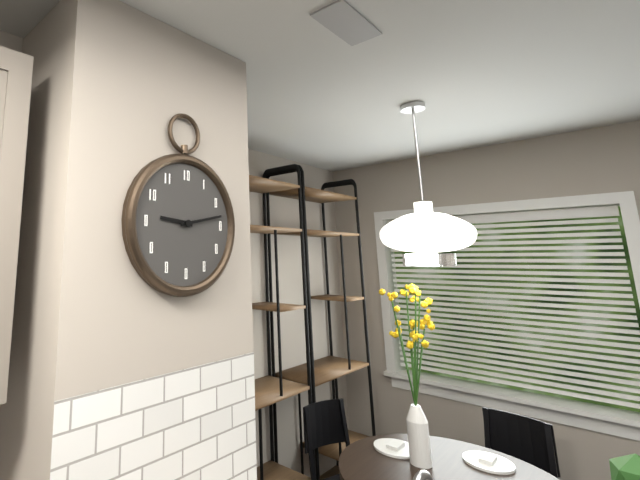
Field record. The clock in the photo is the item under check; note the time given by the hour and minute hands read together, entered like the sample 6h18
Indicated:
9h13
